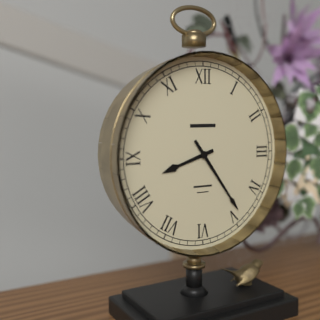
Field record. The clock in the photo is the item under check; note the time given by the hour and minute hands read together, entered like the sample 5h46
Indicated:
8h24
